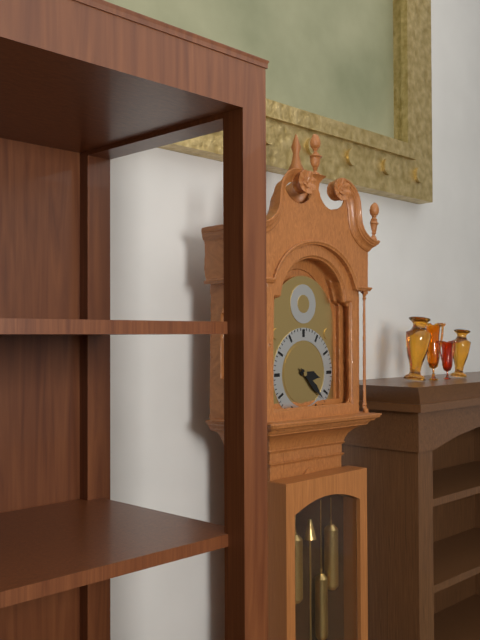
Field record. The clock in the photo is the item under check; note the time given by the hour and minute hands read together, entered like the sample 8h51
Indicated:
3h22
